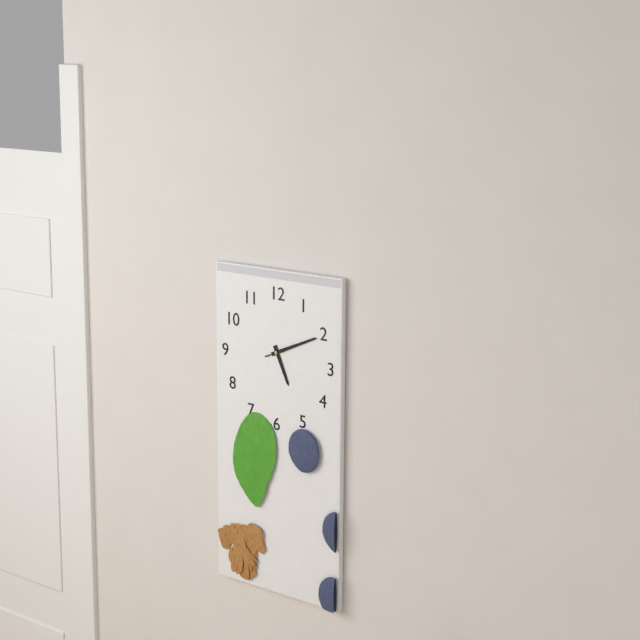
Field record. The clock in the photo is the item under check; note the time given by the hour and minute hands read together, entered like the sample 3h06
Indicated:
5h11
